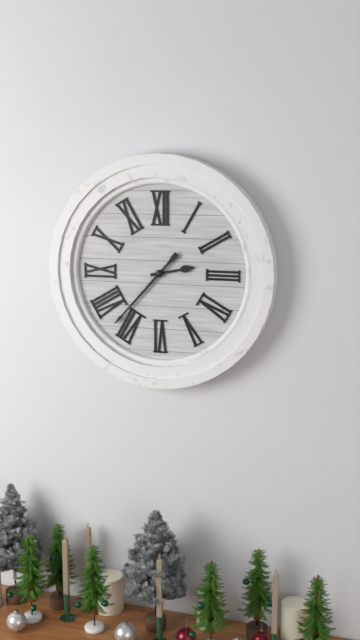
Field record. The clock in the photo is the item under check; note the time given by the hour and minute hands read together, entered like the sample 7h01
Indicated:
2h37
